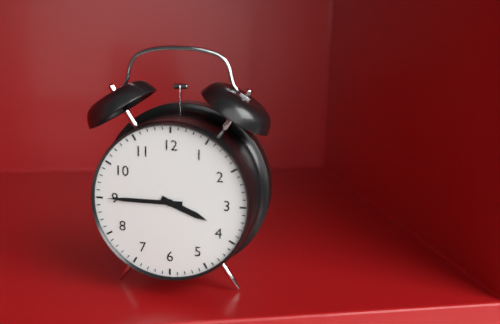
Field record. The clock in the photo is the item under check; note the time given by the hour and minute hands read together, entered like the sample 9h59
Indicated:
3h45
